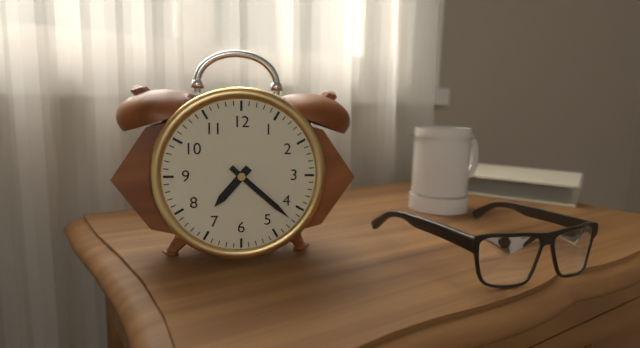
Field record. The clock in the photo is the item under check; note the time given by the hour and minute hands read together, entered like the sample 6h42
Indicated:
7h22
